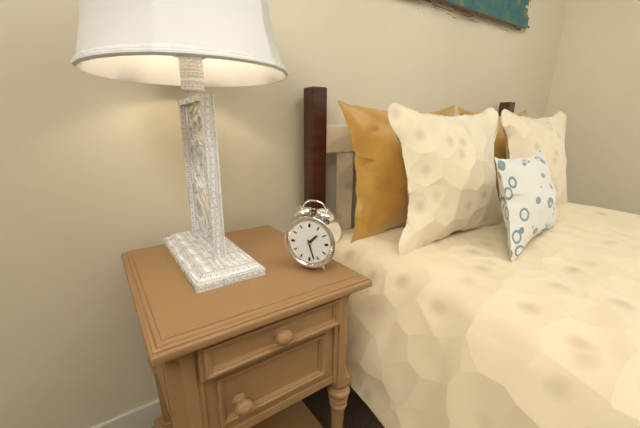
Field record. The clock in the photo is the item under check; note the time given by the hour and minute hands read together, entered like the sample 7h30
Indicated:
1h27
